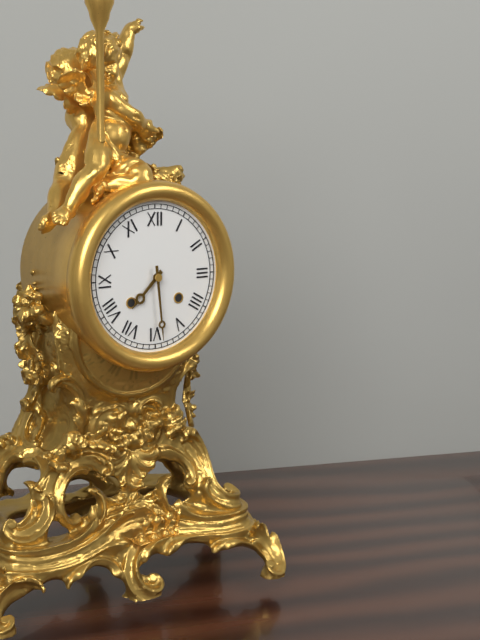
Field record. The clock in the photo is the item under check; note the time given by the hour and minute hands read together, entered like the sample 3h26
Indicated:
7h29
